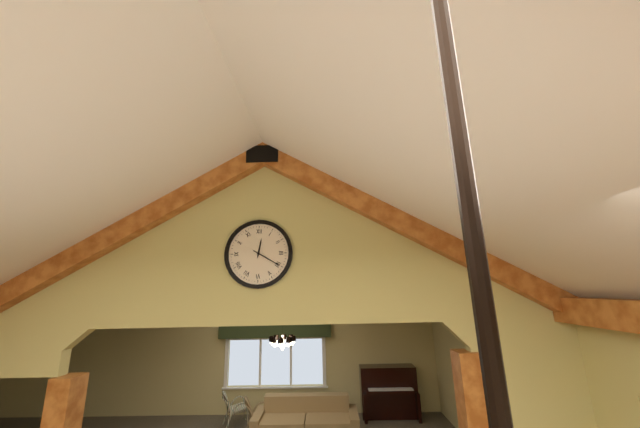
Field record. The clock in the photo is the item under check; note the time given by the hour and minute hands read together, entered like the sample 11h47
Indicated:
12h20
